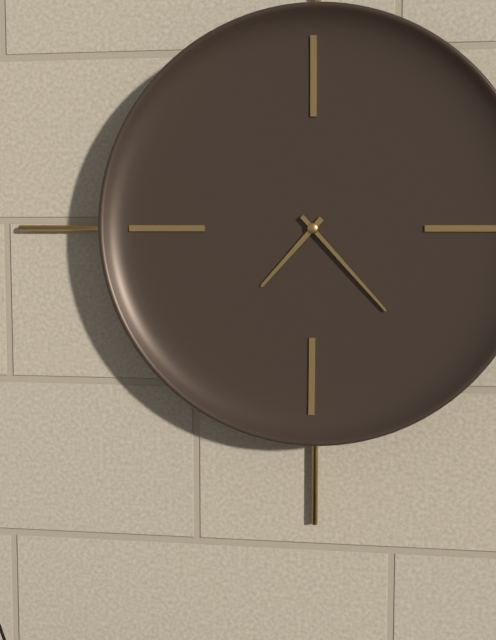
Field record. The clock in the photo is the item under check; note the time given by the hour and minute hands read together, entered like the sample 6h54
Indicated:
7h23
